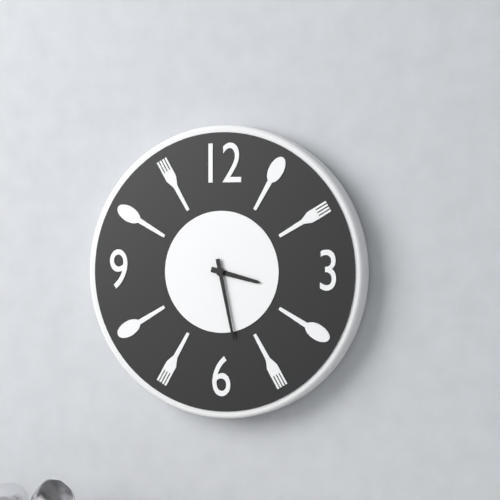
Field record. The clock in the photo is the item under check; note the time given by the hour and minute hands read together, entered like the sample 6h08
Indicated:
3h28
